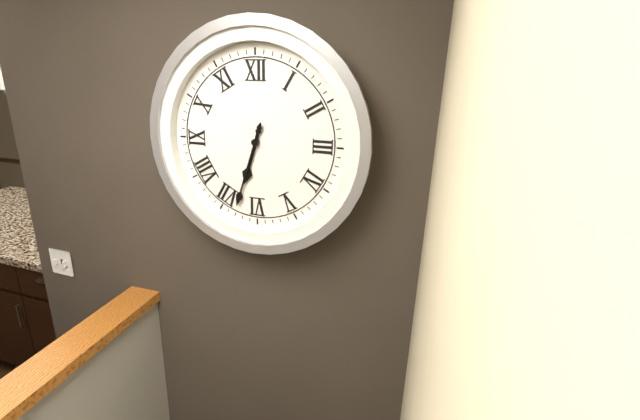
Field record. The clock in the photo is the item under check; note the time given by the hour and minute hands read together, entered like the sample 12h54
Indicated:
6h33
